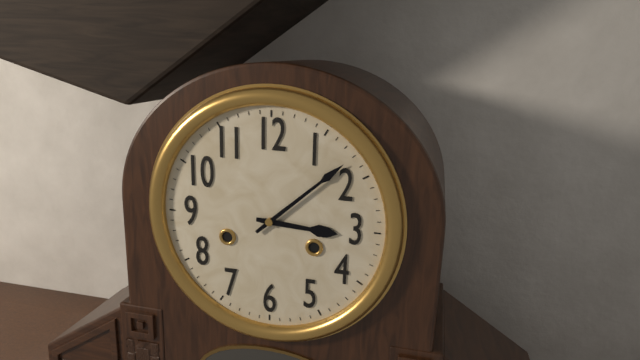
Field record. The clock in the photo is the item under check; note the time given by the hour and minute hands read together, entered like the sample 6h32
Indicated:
3h08
